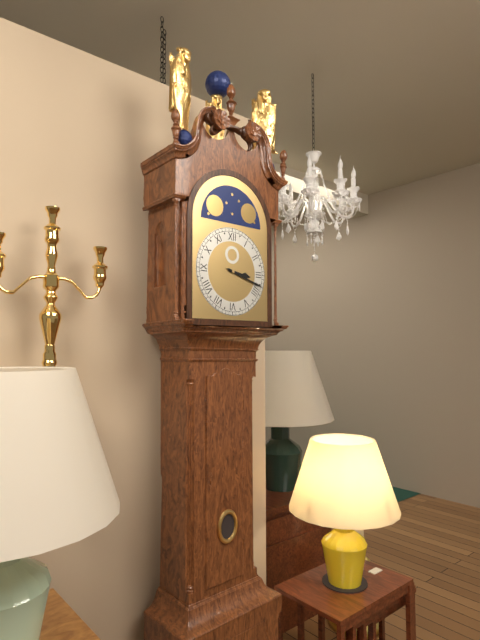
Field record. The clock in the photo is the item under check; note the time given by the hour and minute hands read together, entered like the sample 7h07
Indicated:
3h18
